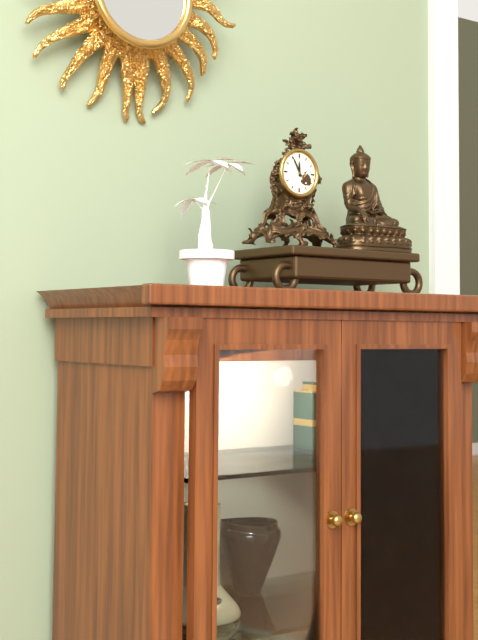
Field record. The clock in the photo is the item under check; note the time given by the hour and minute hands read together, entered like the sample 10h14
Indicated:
11h55
